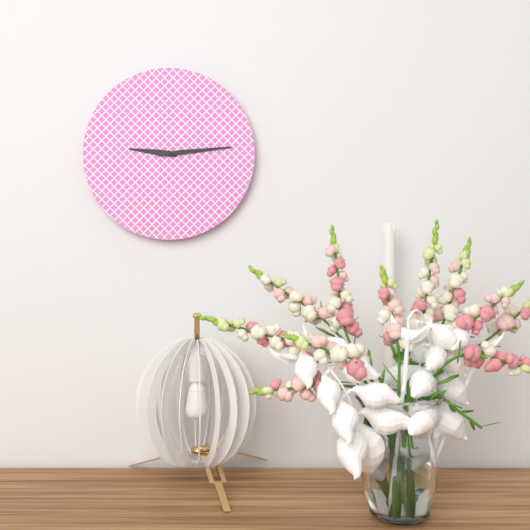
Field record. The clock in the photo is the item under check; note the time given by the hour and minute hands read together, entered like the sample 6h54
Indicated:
9h14
